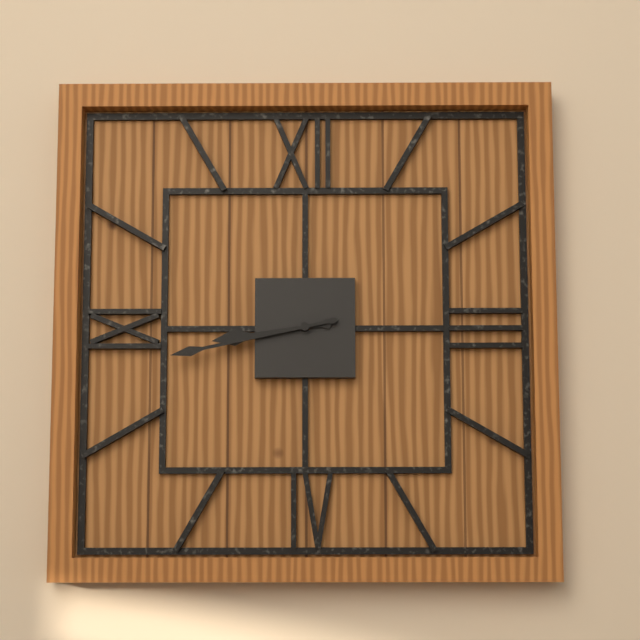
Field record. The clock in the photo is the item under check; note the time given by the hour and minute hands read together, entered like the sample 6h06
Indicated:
8h43
